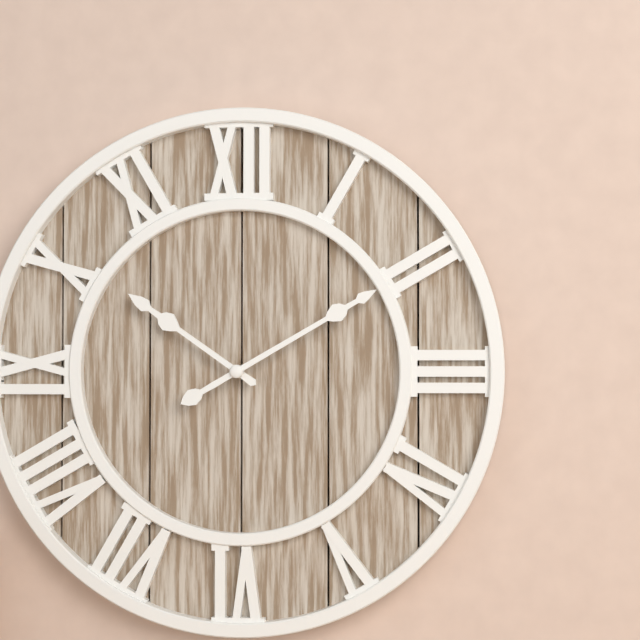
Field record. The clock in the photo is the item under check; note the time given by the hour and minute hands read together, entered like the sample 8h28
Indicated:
10h10
